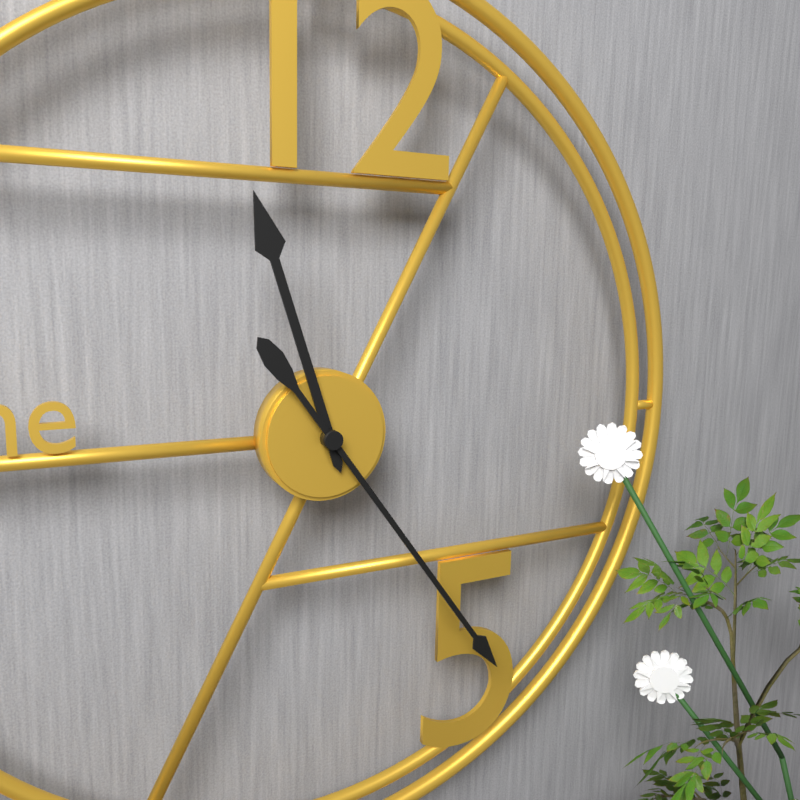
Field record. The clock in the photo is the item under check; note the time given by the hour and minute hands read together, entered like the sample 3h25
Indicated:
11h24
